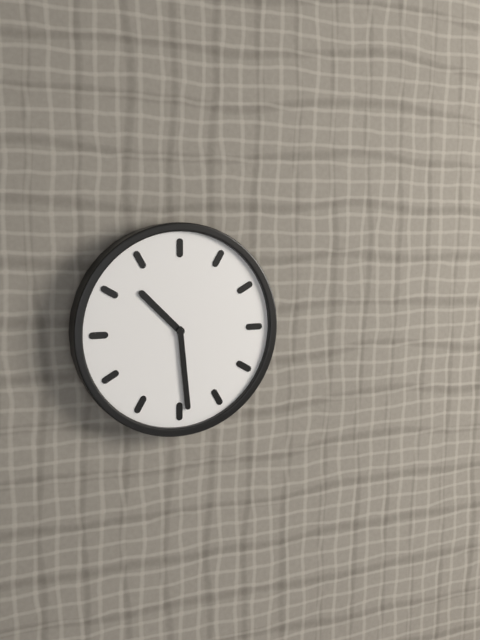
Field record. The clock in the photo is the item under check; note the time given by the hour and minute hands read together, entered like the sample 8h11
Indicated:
10h29
